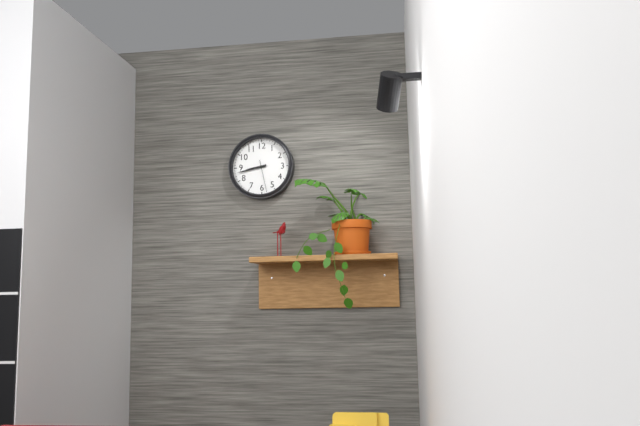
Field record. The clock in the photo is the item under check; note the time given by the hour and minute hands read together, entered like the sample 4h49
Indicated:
8h43
